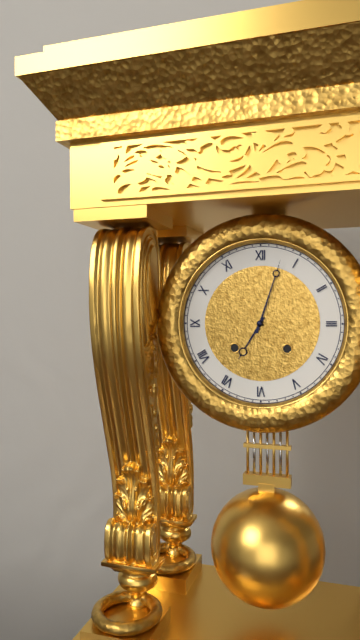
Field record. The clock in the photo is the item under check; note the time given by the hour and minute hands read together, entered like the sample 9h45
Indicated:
7h03
